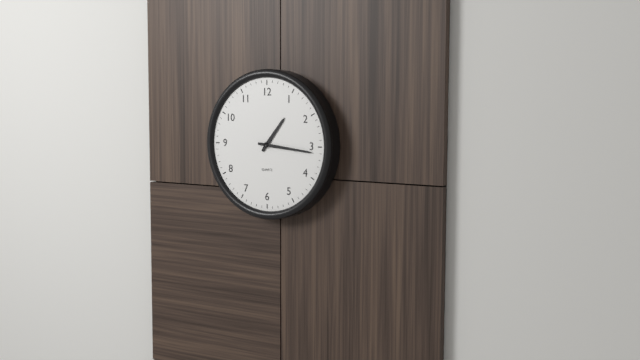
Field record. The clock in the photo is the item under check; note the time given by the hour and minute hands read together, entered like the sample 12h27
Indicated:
1h16
